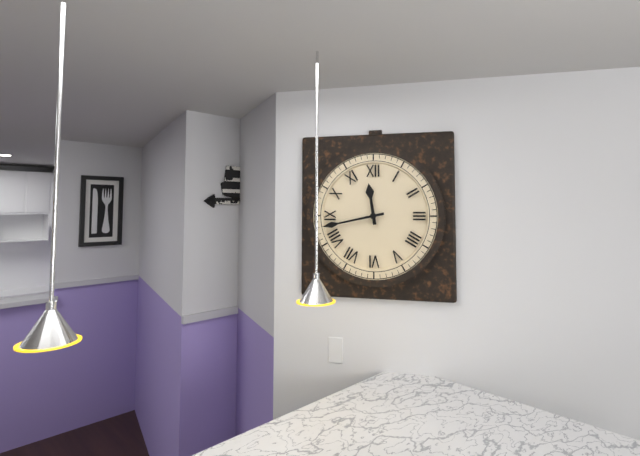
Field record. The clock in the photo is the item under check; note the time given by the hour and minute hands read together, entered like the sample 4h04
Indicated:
11h43
